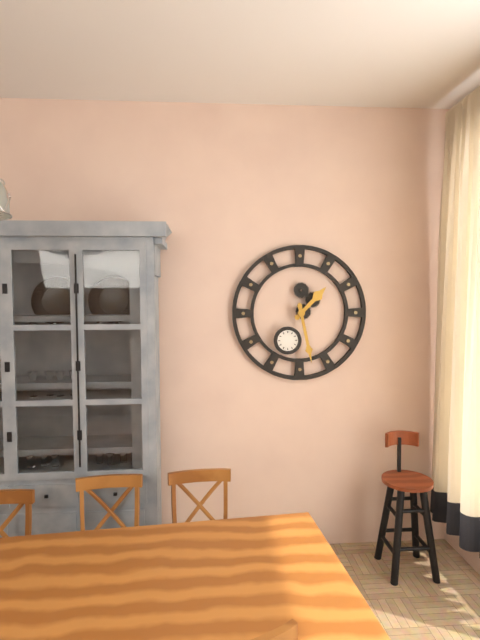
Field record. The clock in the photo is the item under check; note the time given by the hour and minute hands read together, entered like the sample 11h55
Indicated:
1h28
